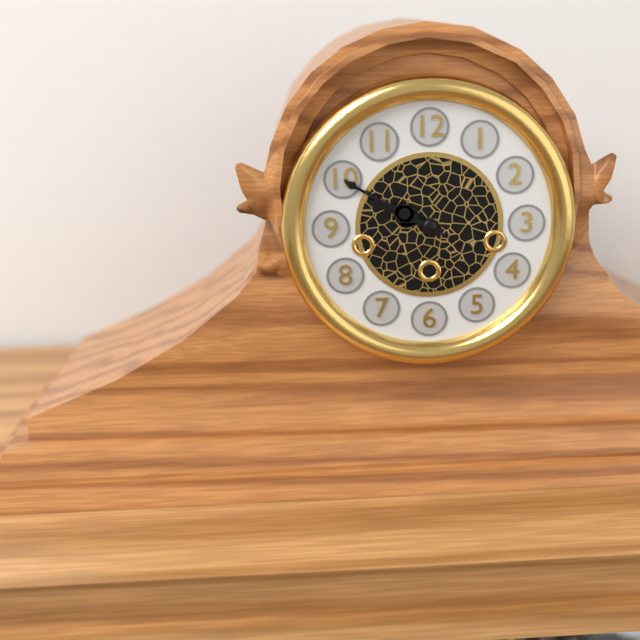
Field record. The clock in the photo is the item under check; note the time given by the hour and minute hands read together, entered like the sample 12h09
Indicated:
9h50
